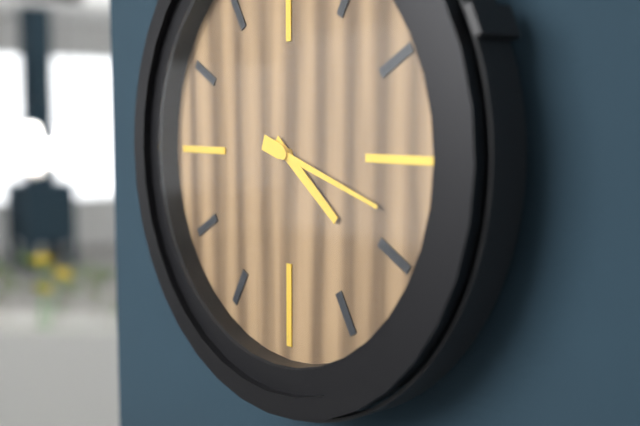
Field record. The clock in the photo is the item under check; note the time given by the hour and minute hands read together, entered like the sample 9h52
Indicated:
4h18
